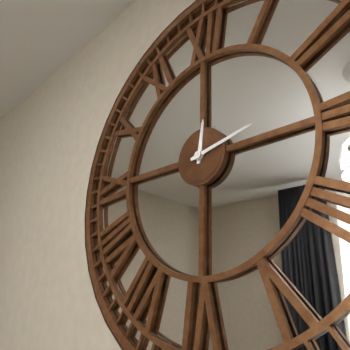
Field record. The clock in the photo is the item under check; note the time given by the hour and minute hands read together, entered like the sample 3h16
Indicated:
12h13
